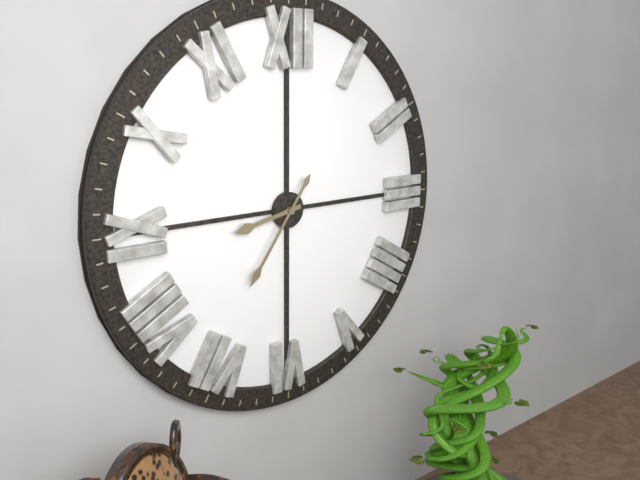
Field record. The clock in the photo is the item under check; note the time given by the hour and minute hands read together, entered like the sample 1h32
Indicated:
8h36
